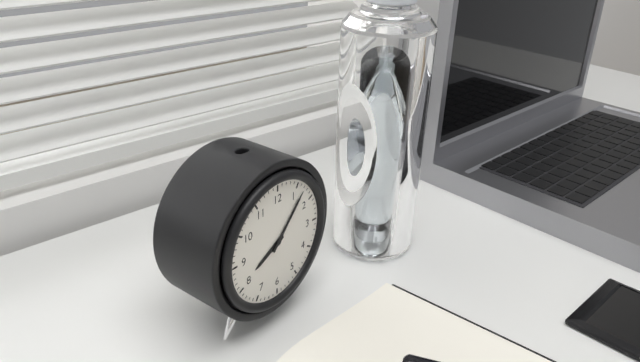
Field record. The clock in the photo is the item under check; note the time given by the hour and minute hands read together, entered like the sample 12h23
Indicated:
8h07
